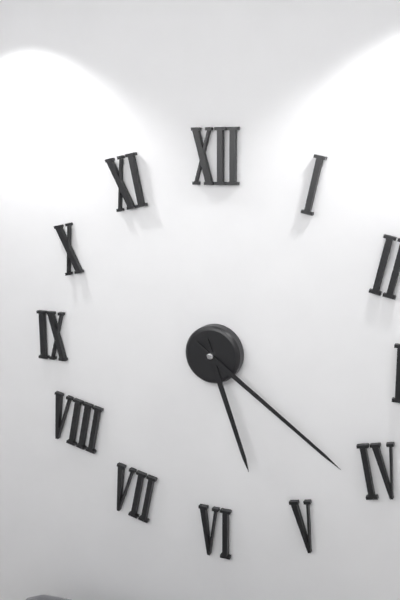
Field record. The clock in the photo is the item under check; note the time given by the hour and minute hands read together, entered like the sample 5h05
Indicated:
5h21
